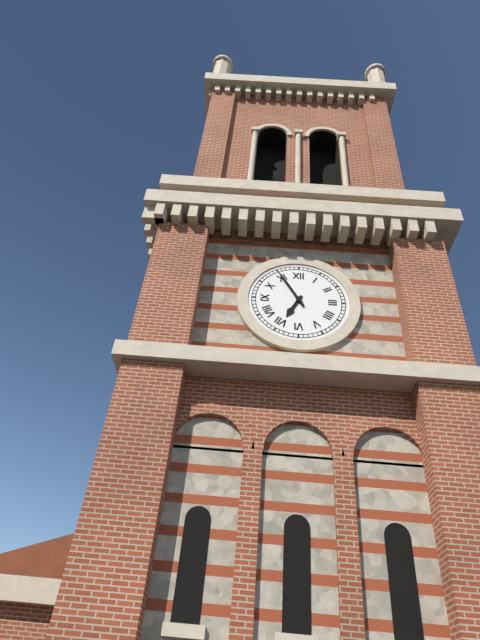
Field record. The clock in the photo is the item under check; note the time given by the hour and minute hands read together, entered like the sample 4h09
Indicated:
6h55
